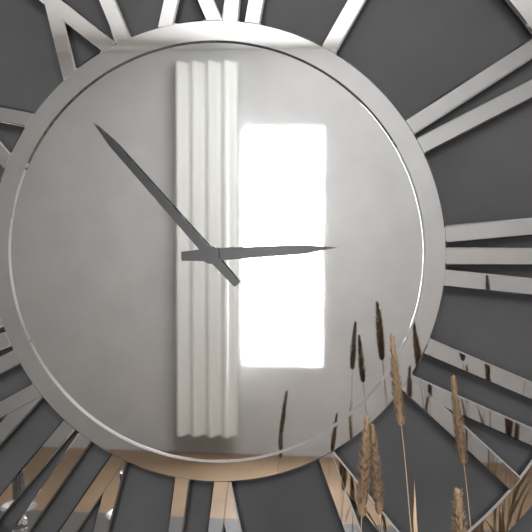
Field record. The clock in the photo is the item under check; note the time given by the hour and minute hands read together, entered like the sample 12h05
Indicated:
2h53
